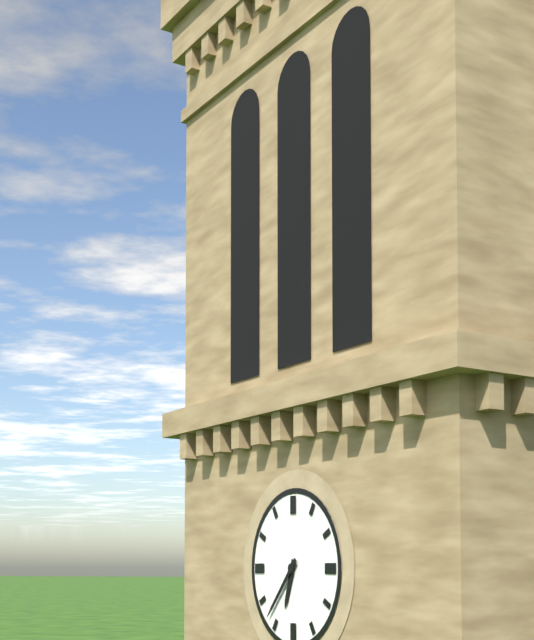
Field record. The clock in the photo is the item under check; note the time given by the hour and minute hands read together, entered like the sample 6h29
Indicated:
6h37
